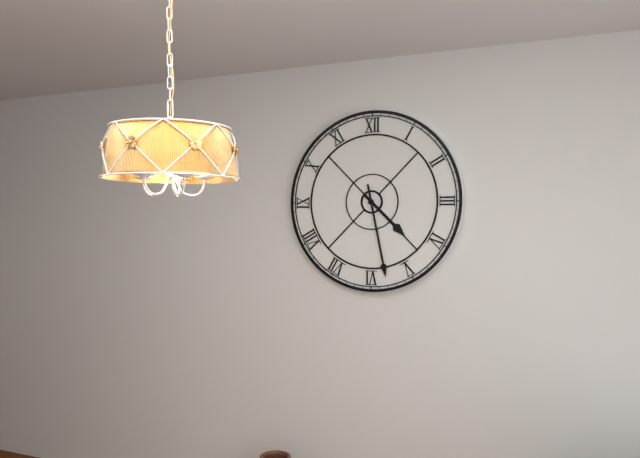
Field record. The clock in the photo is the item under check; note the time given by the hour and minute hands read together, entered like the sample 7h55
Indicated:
4h28
